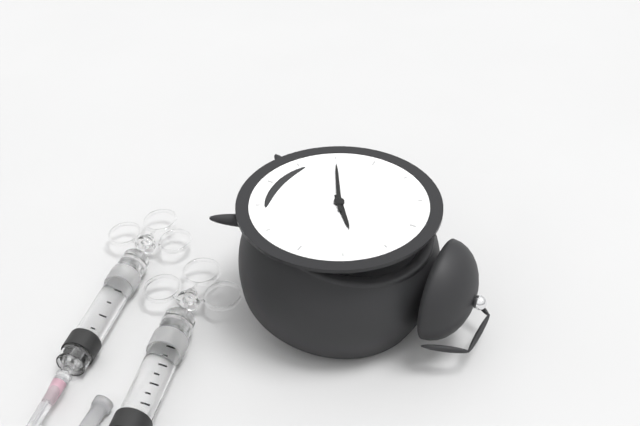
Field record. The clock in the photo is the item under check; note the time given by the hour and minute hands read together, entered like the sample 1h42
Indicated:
1h40
